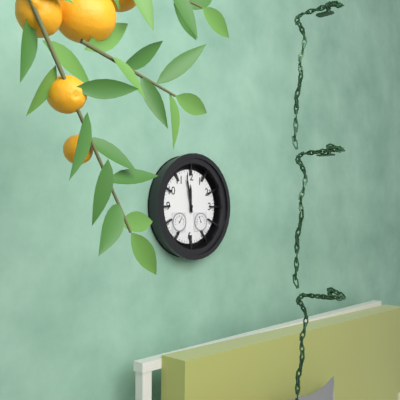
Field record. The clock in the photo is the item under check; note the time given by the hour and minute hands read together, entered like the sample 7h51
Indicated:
11h58
